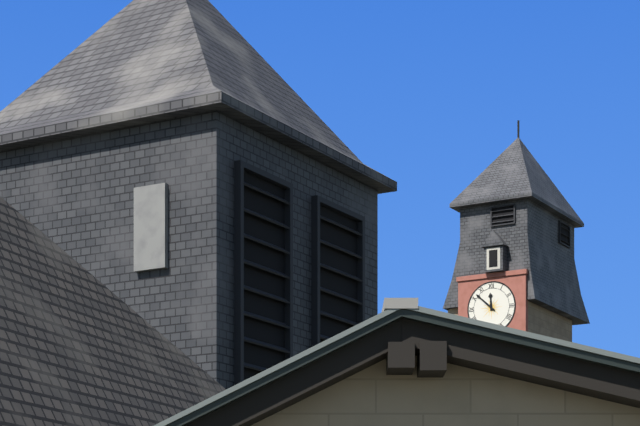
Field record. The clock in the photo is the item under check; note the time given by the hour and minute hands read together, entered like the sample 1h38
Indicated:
11h52
